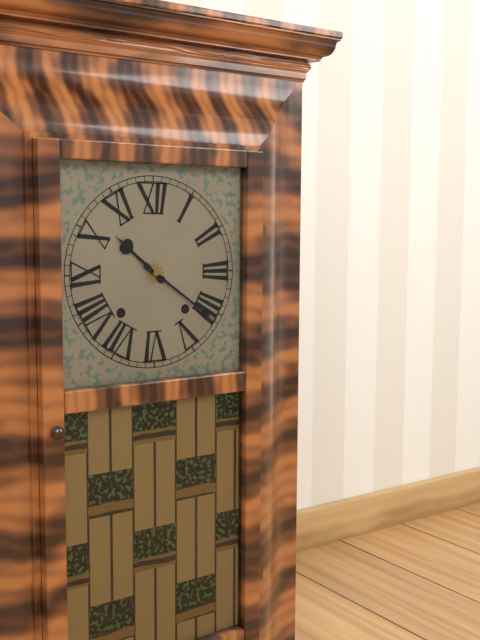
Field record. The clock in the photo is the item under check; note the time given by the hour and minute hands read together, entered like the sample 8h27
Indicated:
10h21
